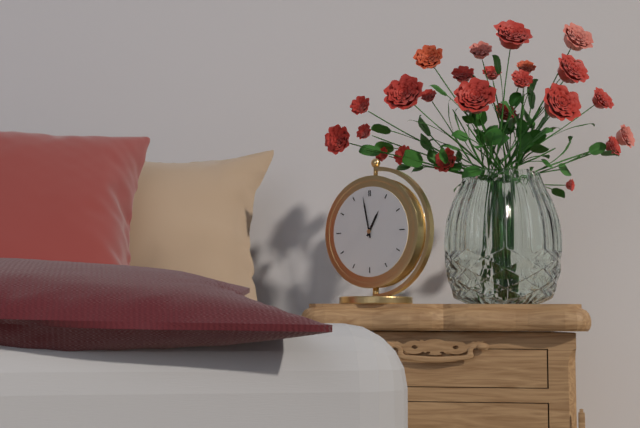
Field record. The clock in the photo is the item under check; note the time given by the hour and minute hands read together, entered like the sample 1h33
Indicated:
12h58
